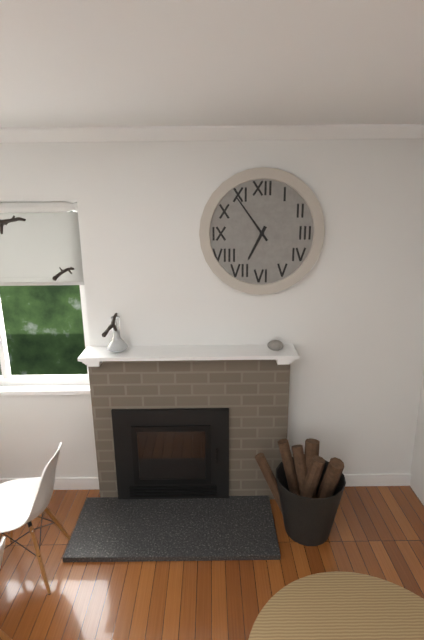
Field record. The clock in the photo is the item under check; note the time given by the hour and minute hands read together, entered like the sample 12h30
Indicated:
6h54
